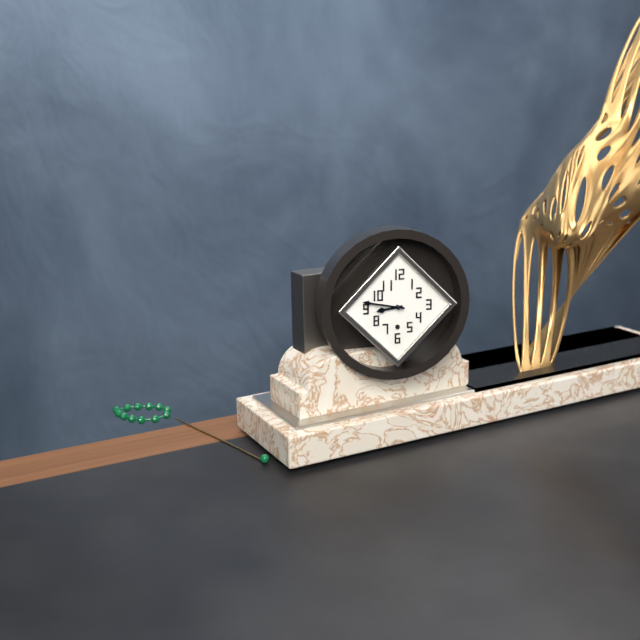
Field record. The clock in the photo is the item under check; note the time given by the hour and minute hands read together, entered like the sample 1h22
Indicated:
8h47
